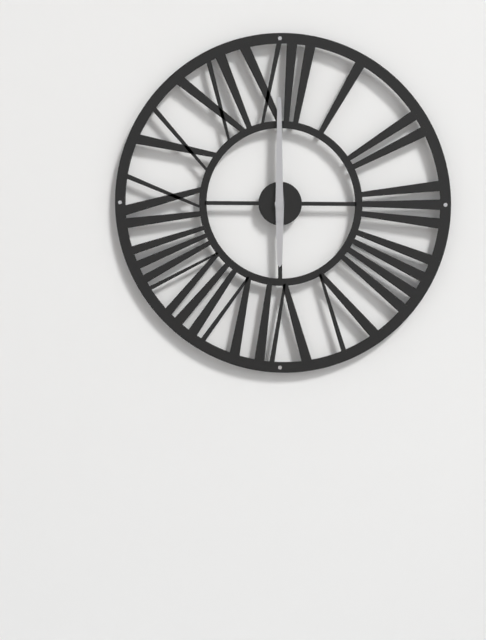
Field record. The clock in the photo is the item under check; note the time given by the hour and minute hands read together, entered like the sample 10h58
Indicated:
6h00
